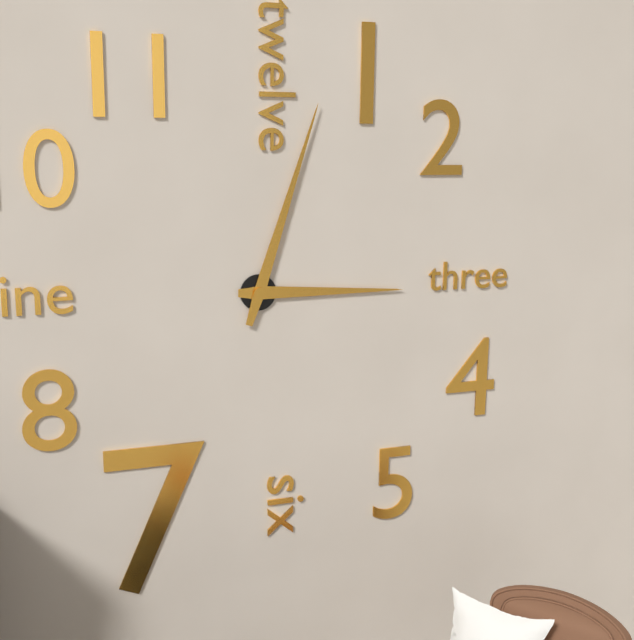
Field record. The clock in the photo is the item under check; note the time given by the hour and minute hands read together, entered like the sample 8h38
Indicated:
3h03
